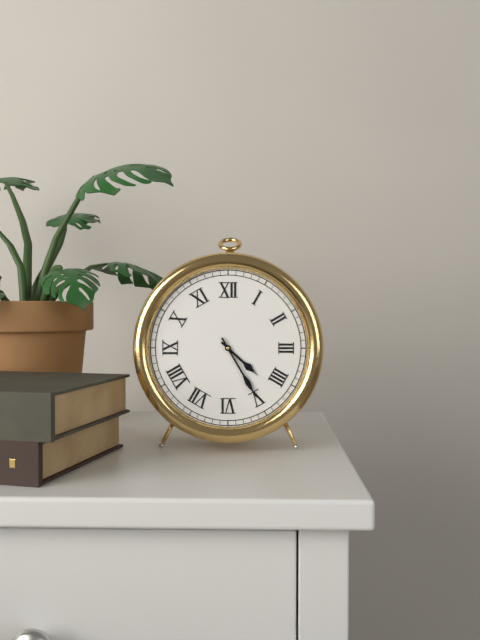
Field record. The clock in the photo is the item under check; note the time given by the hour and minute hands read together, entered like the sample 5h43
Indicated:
4h25
